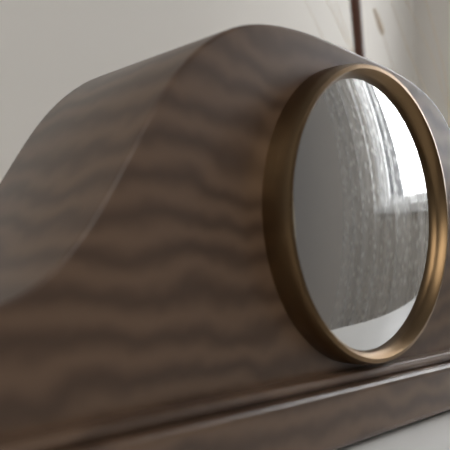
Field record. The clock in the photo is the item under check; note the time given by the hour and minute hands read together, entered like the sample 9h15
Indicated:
12h18
